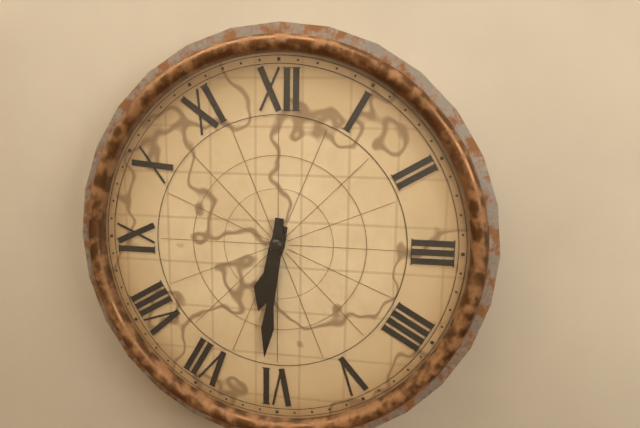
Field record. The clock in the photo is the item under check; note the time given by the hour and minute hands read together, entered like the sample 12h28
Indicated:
6h31
